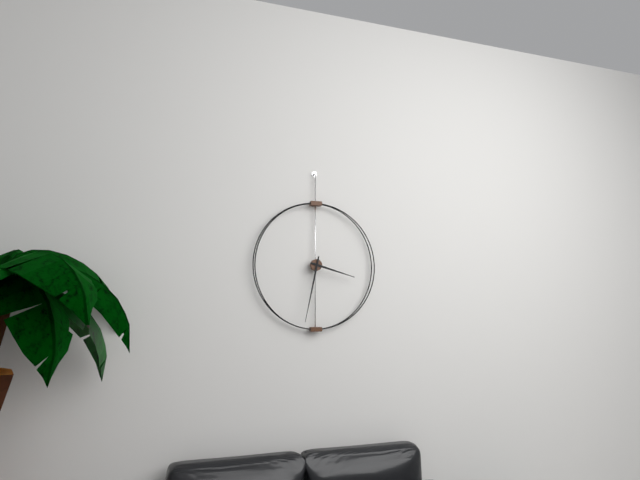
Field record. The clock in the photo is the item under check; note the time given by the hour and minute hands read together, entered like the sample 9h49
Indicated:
3h32
